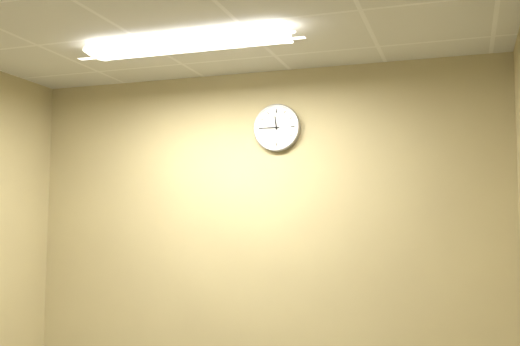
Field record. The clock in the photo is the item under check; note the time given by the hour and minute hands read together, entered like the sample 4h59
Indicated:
11h45
